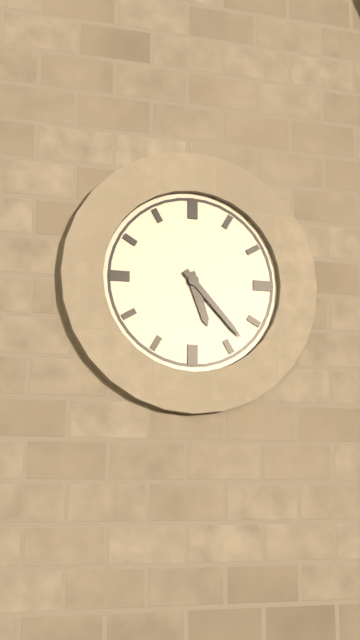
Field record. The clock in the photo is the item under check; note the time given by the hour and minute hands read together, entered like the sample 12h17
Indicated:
5h23
